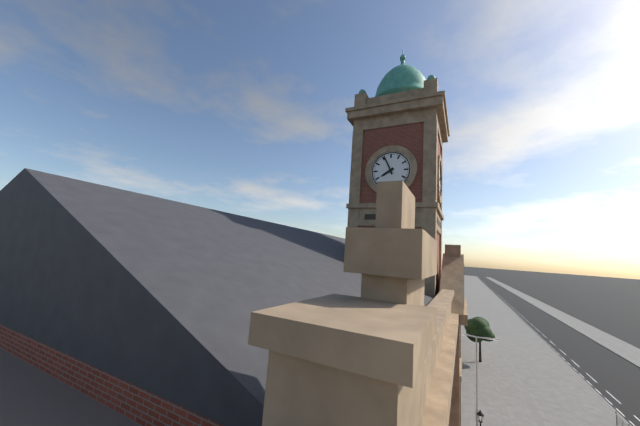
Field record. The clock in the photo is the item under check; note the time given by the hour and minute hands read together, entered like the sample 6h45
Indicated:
7h56
